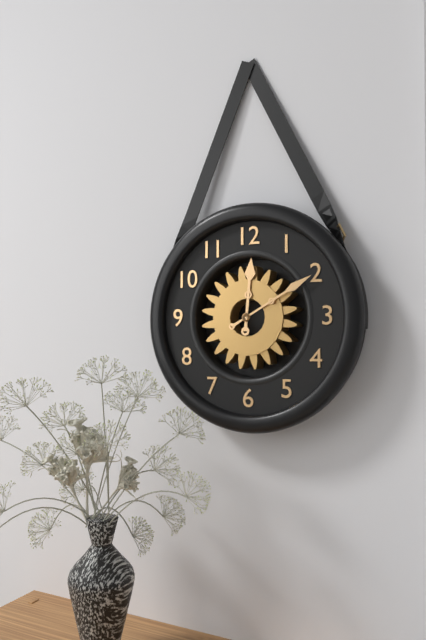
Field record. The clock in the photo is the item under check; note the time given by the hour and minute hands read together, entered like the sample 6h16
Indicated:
12h10
